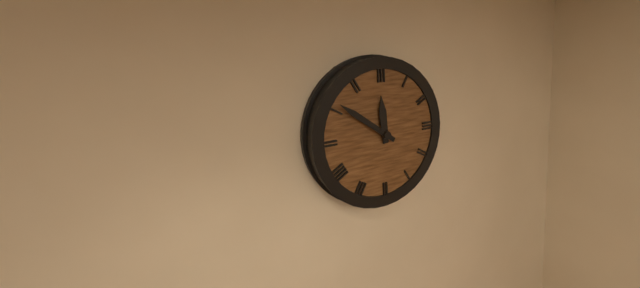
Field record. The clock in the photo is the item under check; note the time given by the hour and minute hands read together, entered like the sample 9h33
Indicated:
11h51
